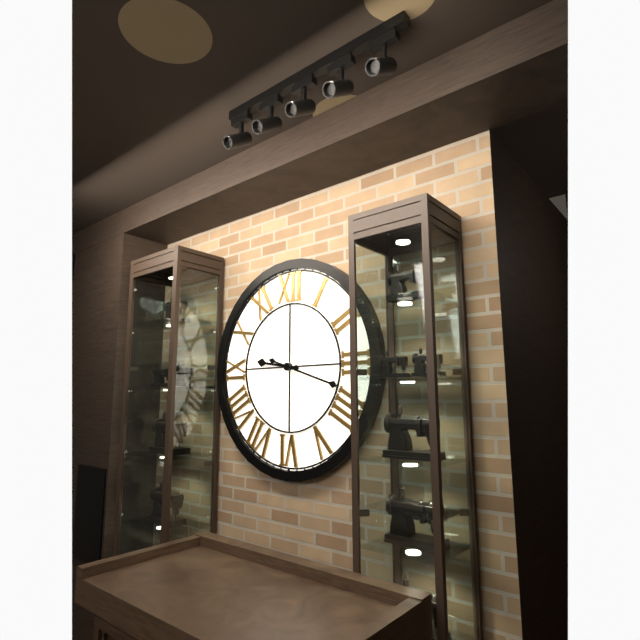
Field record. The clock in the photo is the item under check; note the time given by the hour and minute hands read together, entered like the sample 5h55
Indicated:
9h18
